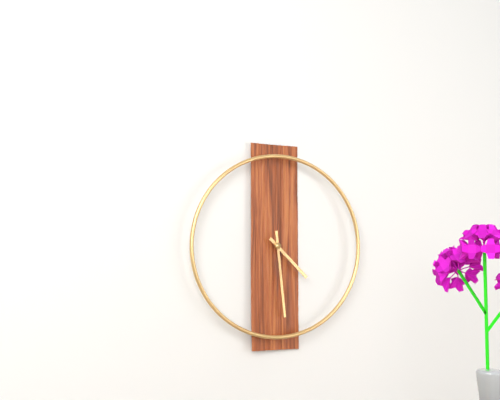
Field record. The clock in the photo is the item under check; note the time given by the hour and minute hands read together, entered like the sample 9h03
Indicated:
4h29
